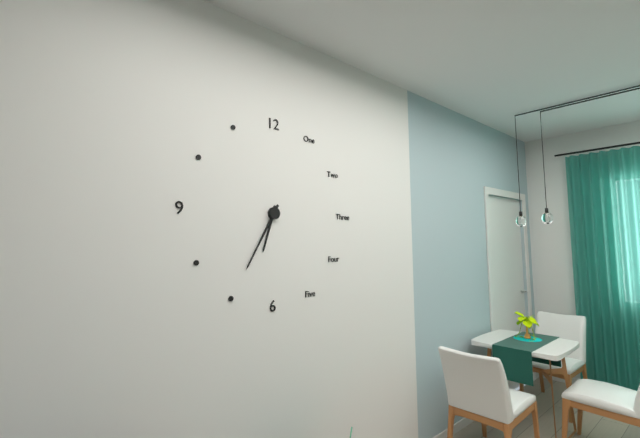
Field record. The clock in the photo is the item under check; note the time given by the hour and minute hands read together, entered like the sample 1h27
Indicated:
6h35
